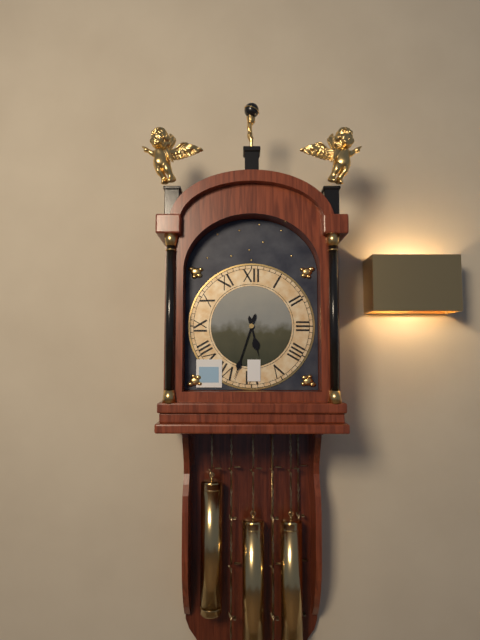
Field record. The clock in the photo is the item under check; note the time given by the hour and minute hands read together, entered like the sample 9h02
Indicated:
5h33
